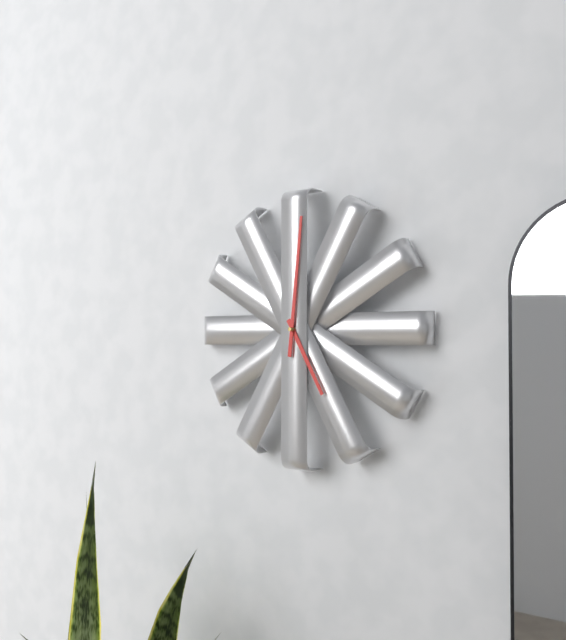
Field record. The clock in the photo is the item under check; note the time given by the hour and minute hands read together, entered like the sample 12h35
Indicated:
5h01
